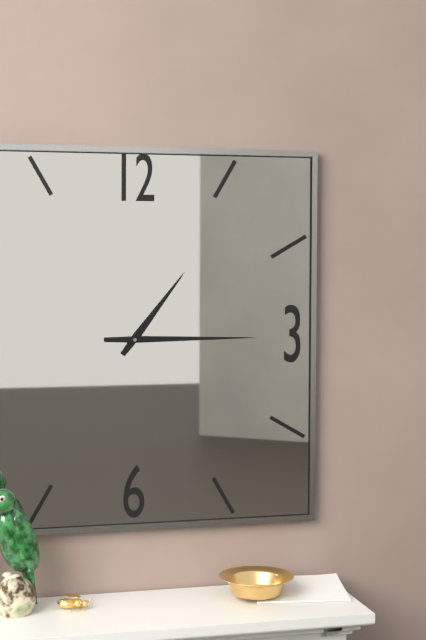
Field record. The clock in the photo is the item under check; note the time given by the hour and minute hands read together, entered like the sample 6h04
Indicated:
1h15
